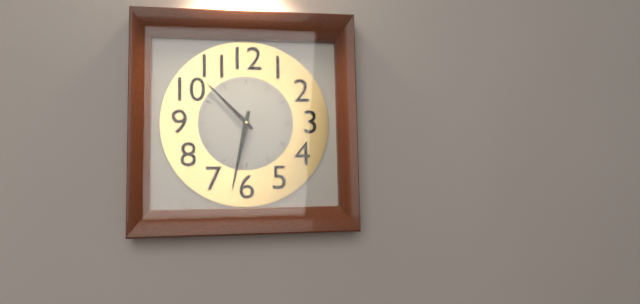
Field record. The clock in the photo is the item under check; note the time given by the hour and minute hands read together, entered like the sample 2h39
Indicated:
10h32
